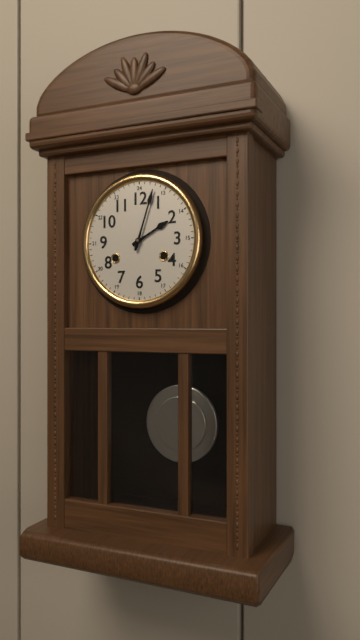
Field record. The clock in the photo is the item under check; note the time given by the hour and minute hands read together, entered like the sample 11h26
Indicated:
2h03
